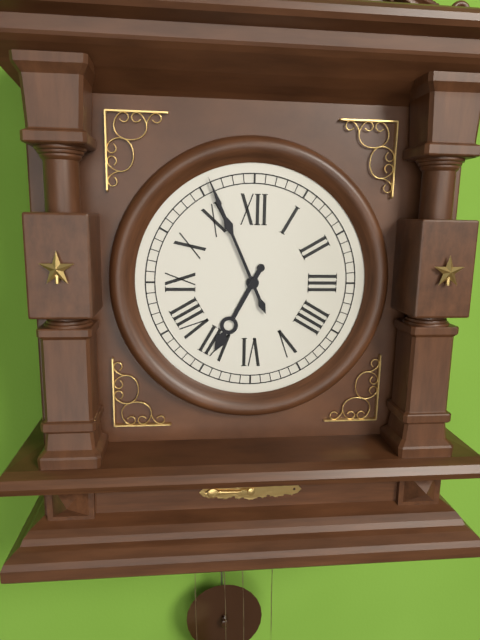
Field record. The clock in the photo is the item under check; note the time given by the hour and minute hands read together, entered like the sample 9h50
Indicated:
6h56
